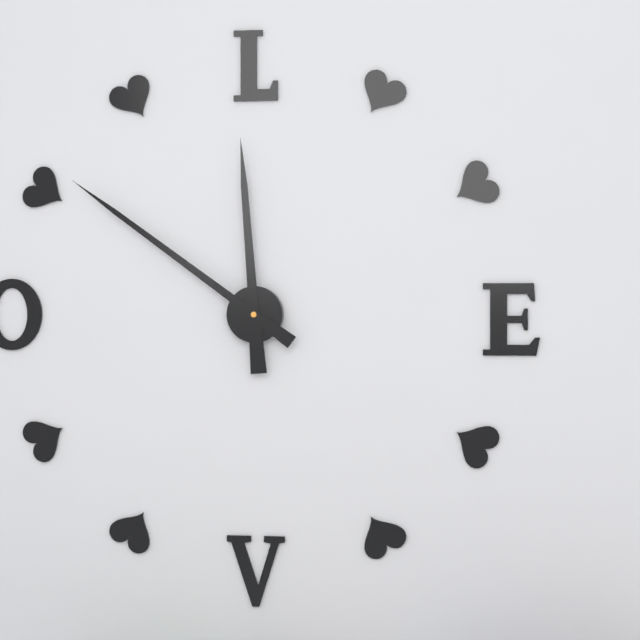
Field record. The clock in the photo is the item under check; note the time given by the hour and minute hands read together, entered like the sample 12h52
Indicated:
11h51
